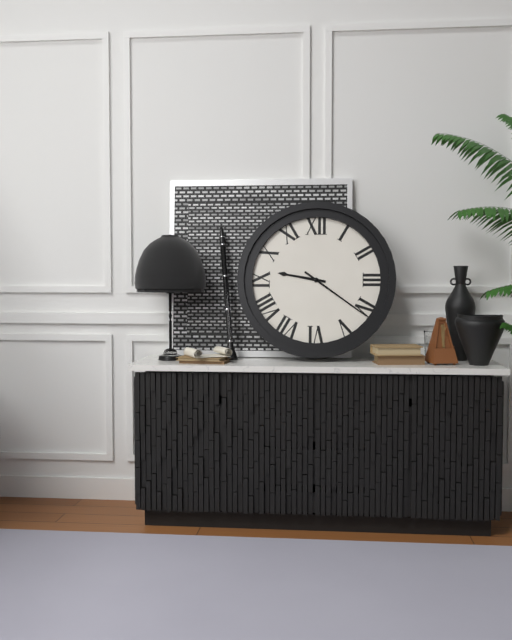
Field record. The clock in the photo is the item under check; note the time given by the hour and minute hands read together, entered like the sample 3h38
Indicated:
9h21
